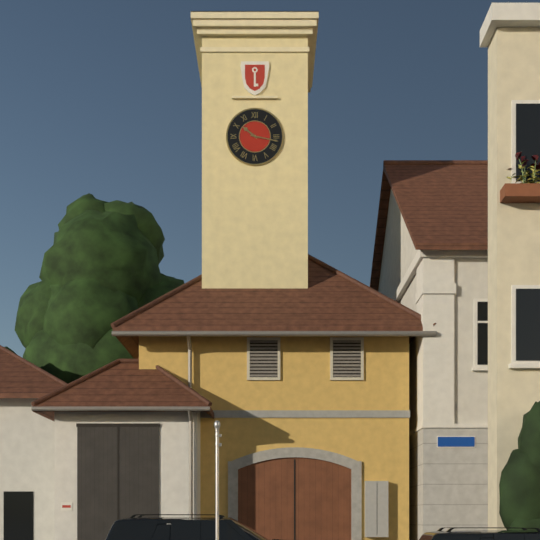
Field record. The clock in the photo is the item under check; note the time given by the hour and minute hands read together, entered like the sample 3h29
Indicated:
10h17
